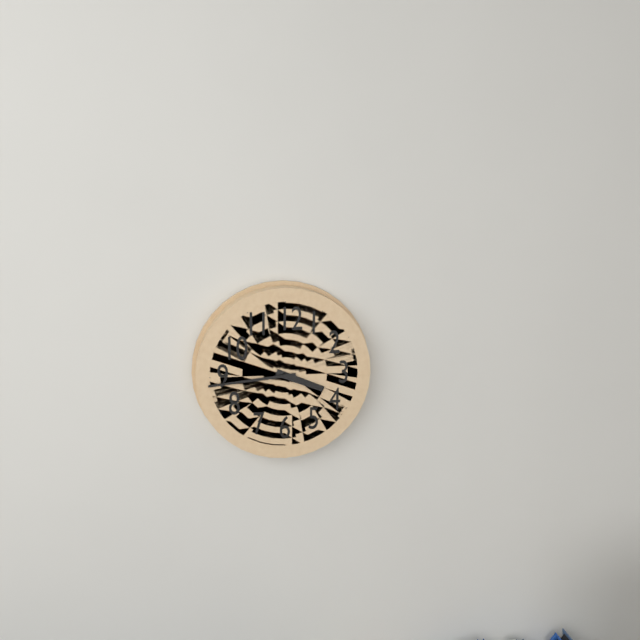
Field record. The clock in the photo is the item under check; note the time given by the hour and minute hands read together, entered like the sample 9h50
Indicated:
3h44
